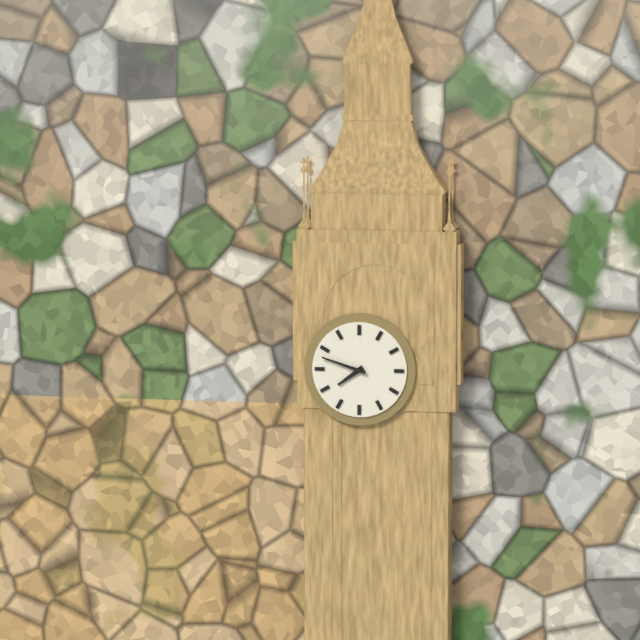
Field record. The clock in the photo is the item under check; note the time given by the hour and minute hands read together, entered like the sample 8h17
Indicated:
7h48
